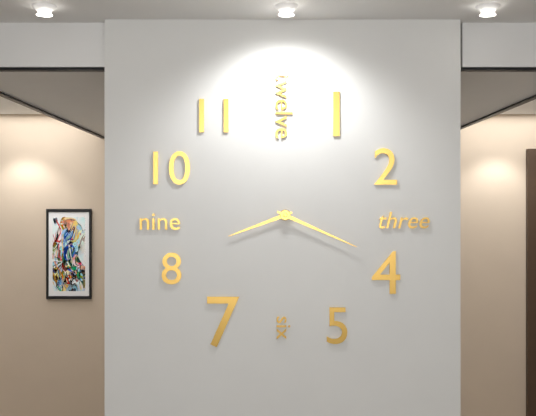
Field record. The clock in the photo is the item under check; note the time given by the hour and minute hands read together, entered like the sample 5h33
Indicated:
8h19
